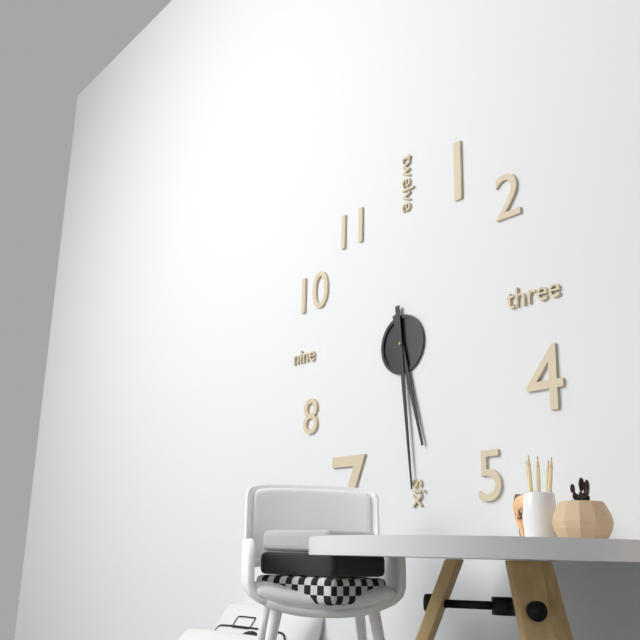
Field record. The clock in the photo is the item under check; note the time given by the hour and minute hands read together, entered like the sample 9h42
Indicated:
5h29
